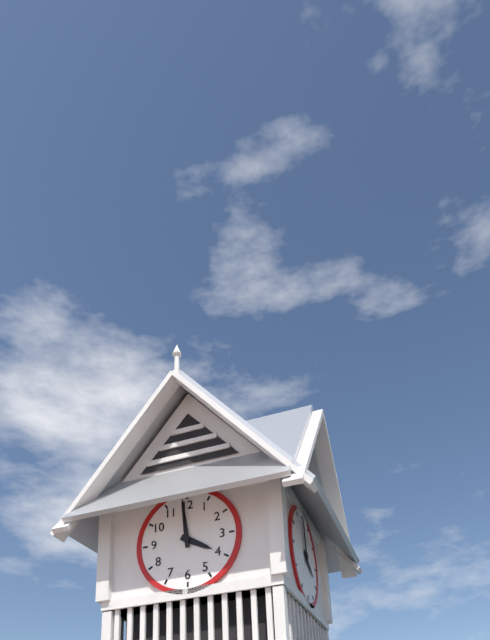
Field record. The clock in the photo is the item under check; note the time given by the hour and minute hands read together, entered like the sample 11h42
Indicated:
3h59
